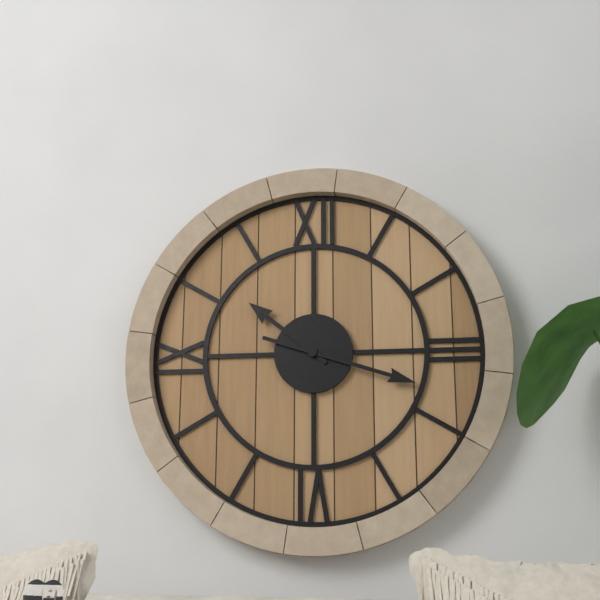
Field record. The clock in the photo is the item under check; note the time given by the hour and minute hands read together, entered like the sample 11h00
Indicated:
10h18
